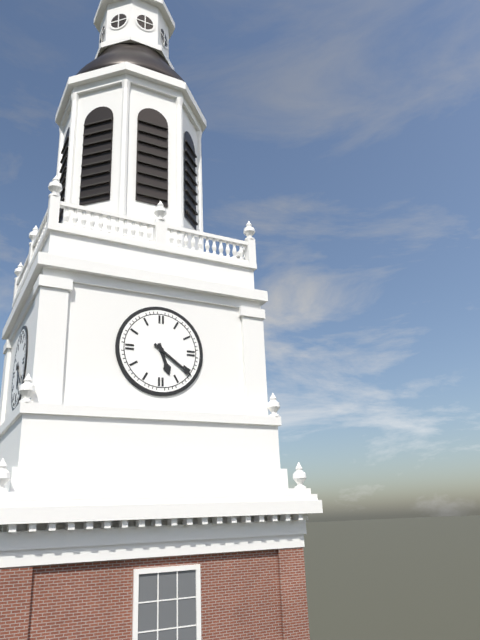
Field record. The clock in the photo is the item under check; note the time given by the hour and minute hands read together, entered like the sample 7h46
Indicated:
5h21
